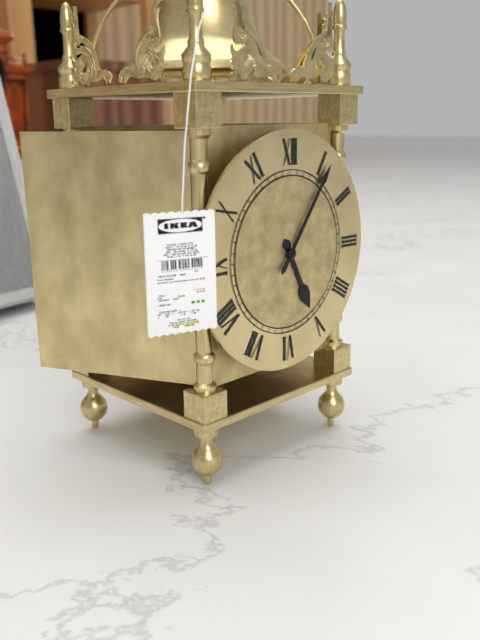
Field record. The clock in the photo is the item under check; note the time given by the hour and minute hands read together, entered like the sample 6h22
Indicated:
5h06
